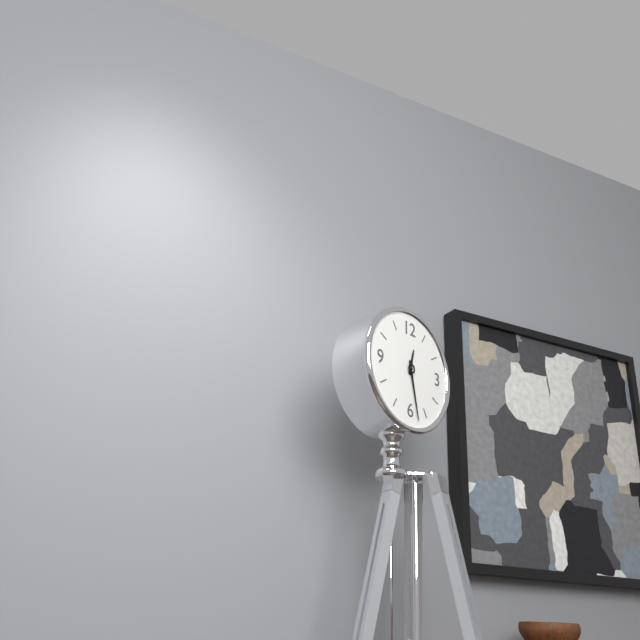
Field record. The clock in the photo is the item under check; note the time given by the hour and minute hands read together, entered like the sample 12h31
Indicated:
12h28
